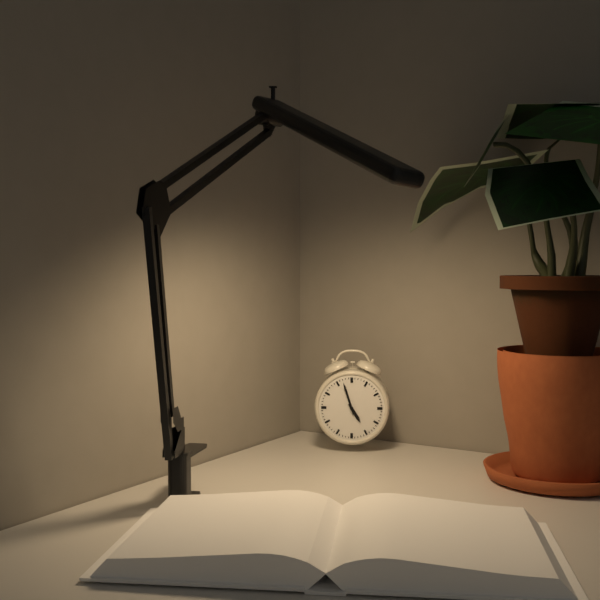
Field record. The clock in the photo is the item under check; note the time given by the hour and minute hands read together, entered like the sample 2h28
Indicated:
4h57
